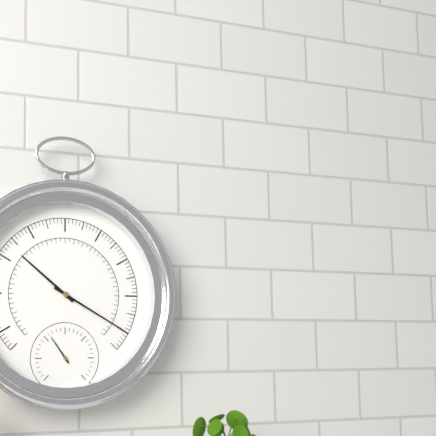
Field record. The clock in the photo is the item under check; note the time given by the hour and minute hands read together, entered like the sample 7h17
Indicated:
10h20
